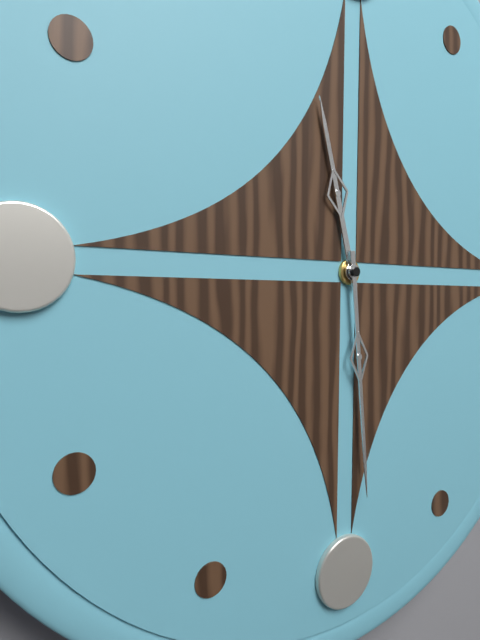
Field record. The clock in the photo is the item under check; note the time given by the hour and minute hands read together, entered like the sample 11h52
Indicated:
11h29
